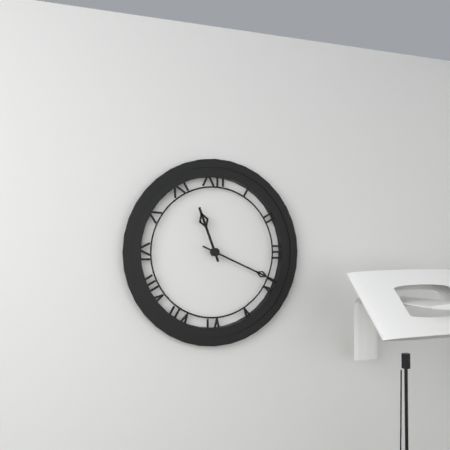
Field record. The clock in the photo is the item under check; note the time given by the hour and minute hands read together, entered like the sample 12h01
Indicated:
11h19
